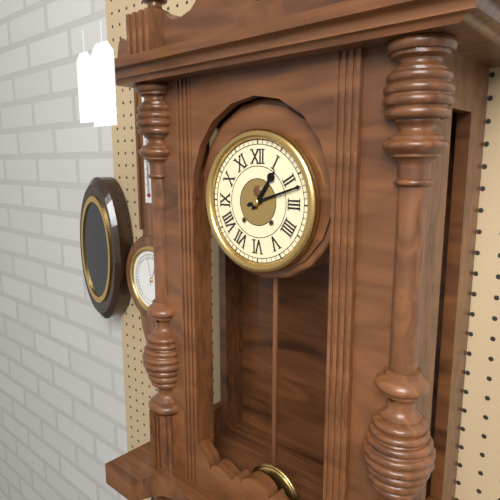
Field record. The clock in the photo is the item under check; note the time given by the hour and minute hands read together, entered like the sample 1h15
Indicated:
1h12
